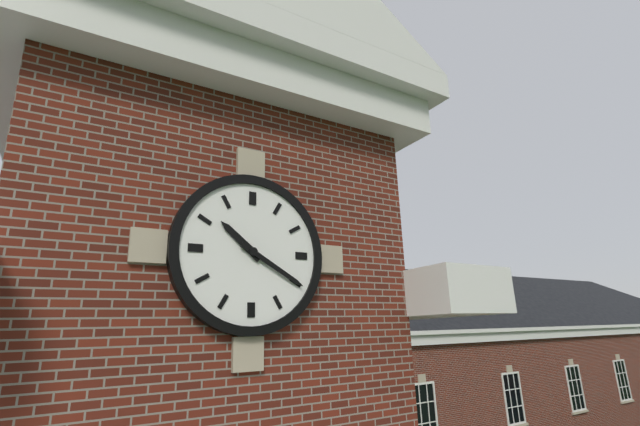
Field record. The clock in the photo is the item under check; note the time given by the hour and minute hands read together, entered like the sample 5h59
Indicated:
10h20
